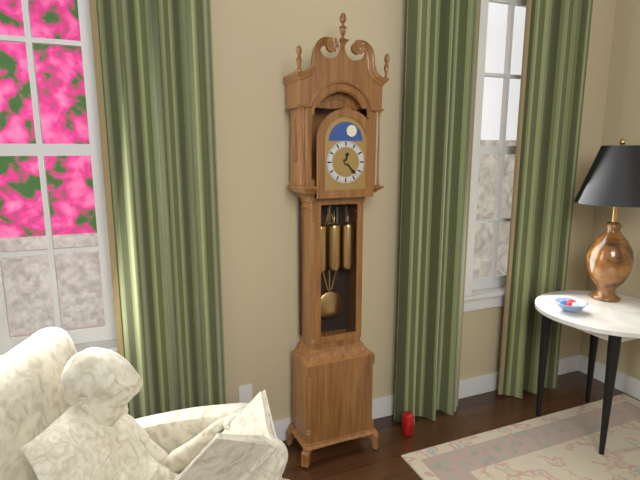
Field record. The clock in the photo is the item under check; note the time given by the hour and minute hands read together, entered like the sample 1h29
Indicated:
12h23
